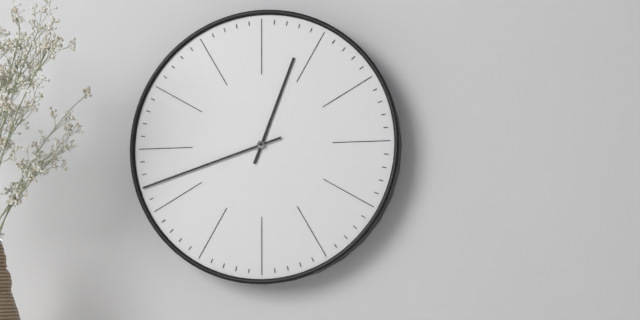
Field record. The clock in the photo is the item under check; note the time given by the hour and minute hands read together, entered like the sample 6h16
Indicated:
12h42
